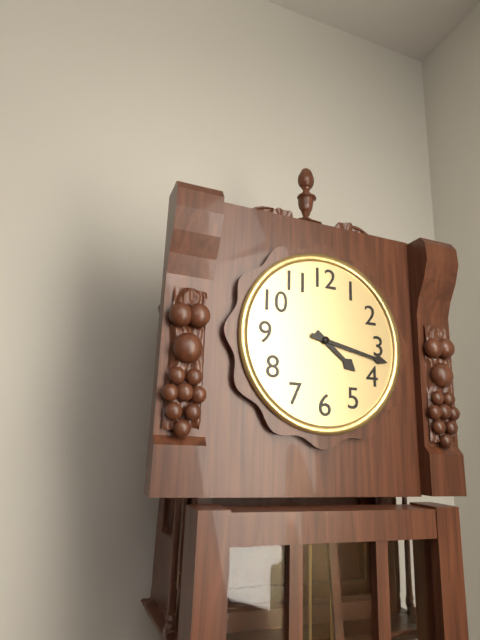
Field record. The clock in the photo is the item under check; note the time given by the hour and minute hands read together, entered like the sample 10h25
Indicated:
4h17
